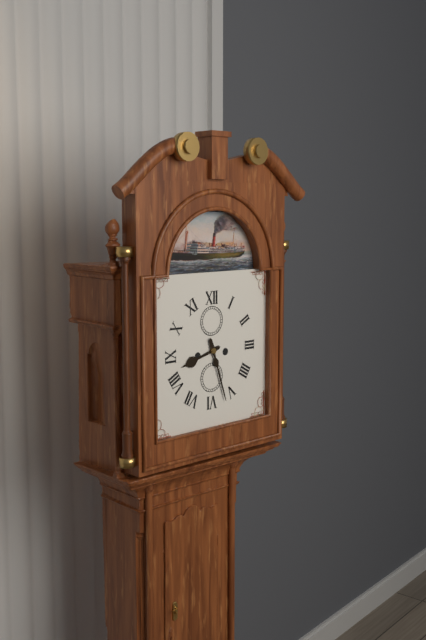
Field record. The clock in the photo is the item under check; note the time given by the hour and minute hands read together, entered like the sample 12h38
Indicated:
8h27
